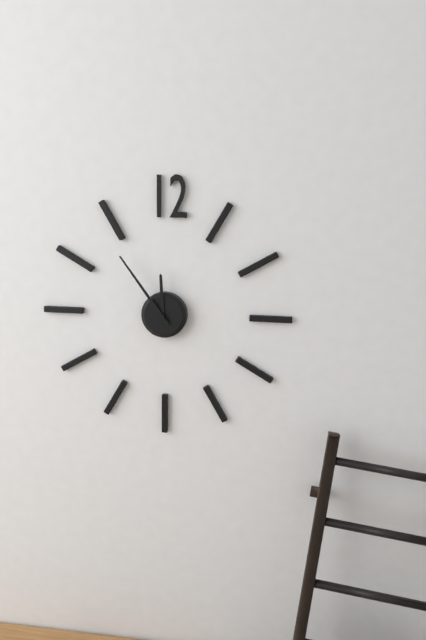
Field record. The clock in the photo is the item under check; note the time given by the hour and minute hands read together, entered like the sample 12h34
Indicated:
11h54
